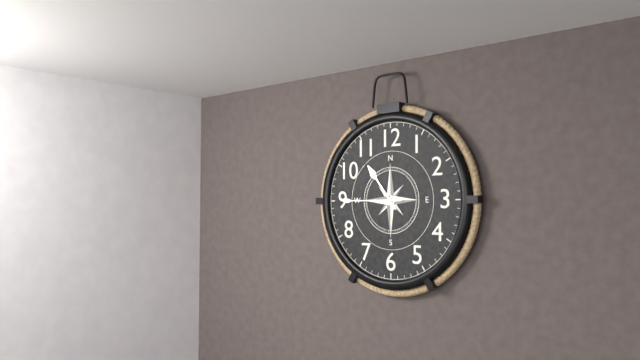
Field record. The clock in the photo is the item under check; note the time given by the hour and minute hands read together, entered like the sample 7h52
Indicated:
10h45
